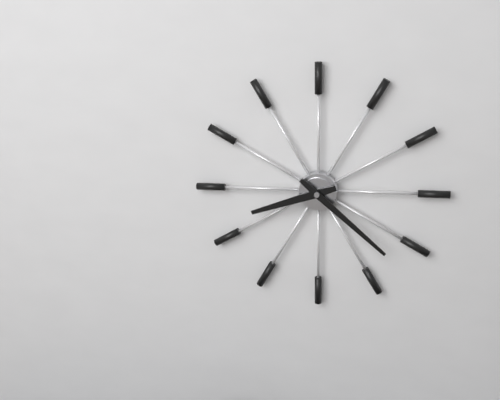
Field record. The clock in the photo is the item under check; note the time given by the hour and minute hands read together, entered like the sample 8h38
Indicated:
8h22
